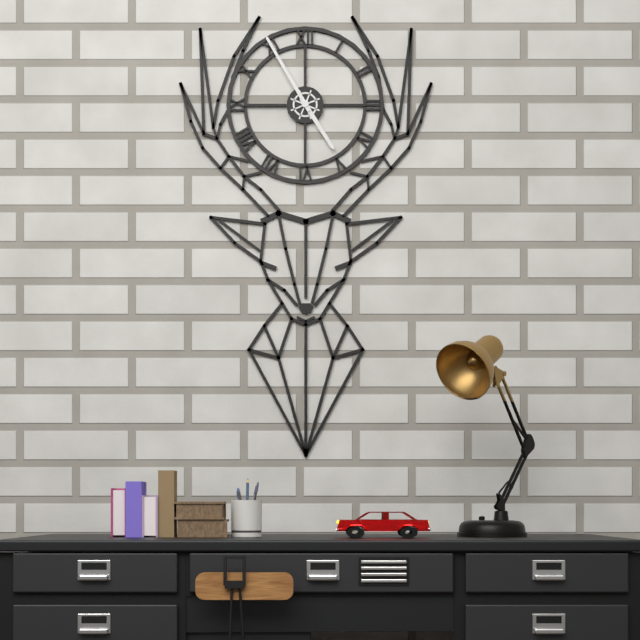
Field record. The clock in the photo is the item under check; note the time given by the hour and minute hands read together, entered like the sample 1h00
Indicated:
4h55
